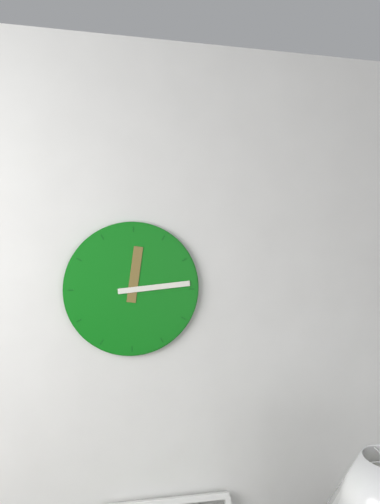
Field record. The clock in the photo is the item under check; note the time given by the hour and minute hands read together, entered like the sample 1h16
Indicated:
12h14
